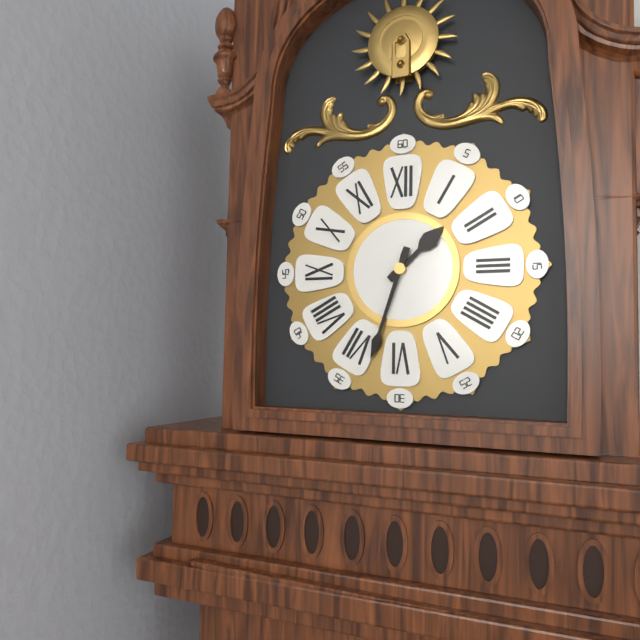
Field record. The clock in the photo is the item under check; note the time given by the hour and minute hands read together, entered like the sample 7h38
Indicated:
1h33
